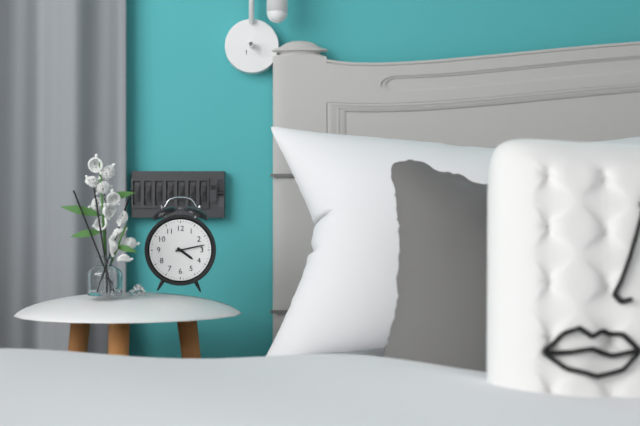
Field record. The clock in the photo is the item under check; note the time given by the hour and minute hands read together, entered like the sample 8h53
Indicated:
4h13
